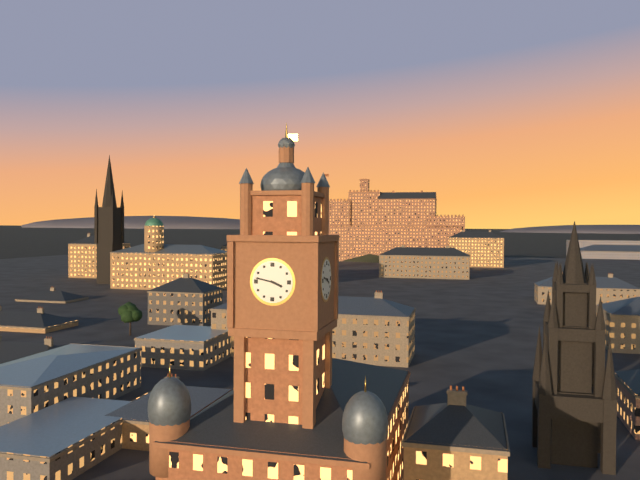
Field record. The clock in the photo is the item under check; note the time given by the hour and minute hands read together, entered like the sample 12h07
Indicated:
3h47
